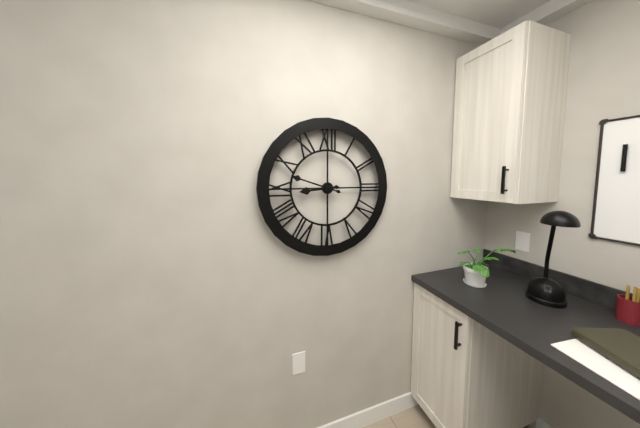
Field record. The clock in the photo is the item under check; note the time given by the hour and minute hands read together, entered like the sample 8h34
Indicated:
8h48
